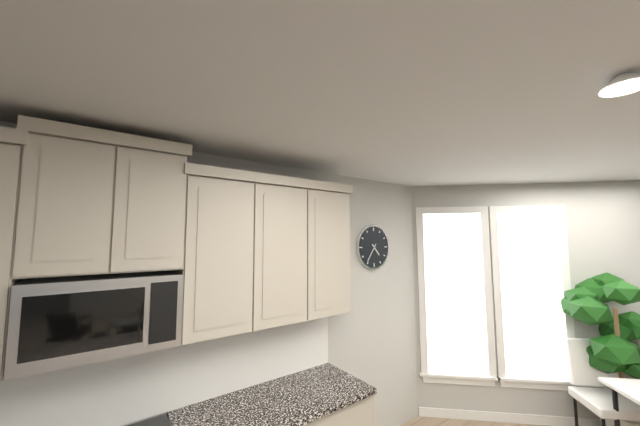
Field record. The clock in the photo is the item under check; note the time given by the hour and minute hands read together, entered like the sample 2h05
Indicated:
4h36
